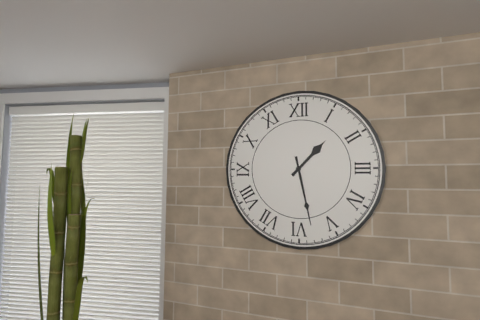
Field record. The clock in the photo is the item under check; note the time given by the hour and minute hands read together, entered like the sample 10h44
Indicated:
1h28
